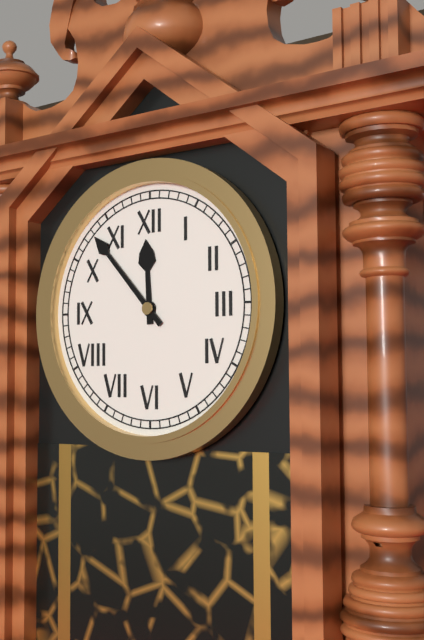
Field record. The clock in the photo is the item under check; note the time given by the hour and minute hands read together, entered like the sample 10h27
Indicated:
11h53
